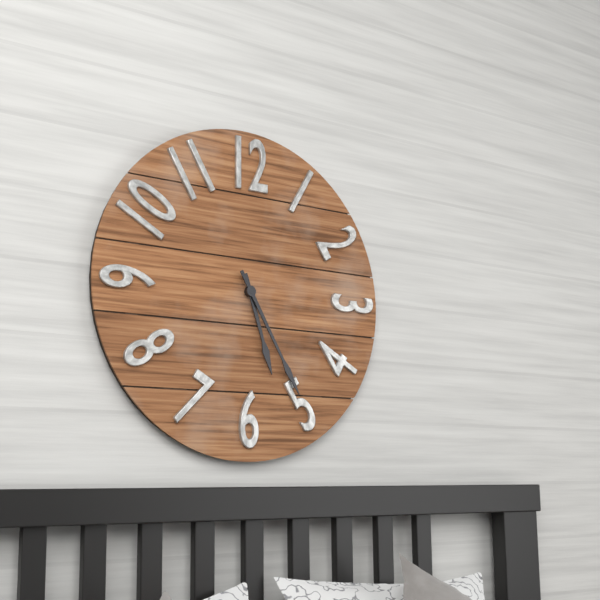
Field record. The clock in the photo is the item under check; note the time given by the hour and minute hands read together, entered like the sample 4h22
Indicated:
5h25
